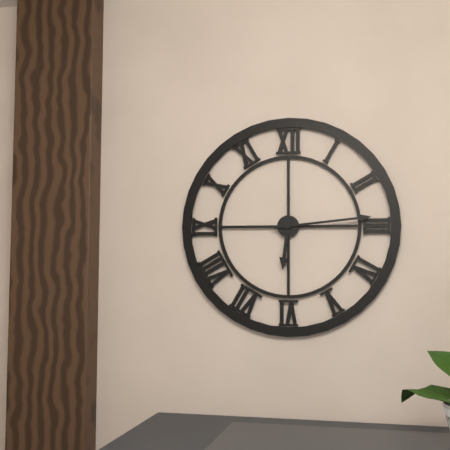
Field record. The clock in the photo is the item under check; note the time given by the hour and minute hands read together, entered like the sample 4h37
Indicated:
6h14
